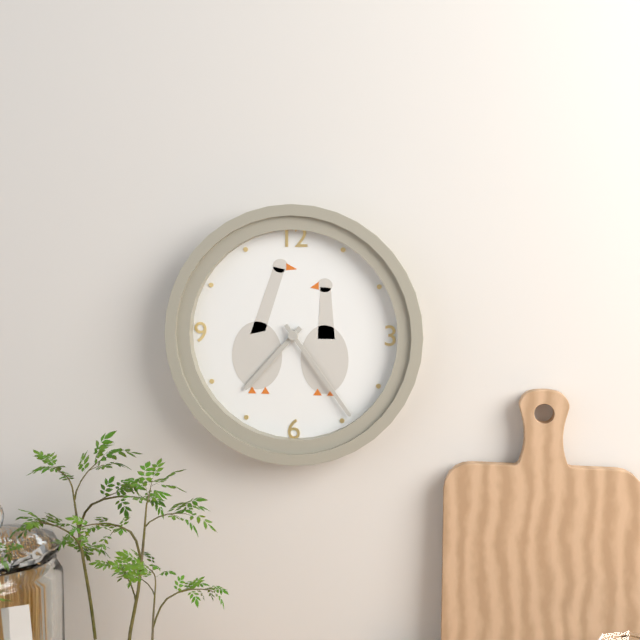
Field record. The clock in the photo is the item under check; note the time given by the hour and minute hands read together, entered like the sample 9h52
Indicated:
7h24
